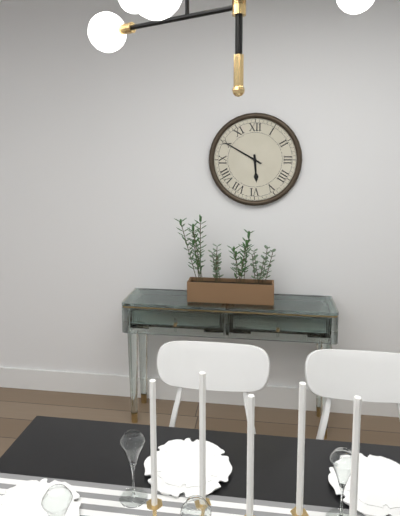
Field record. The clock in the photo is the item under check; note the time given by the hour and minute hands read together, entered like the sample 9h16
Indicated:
5h50
